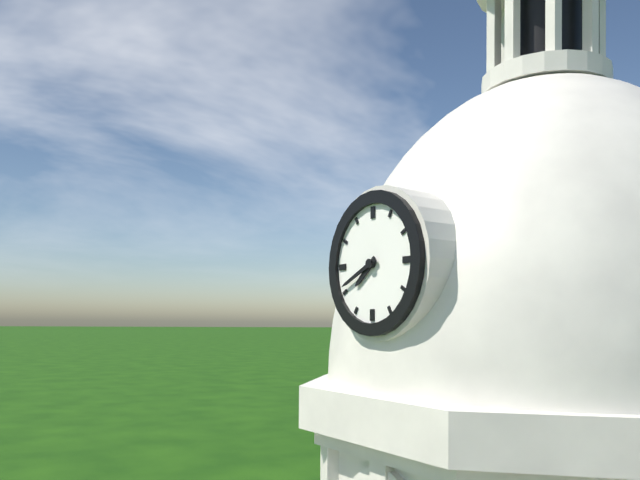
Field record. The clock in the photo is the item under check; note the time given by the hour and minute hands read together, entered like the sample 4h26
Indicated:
7h41
